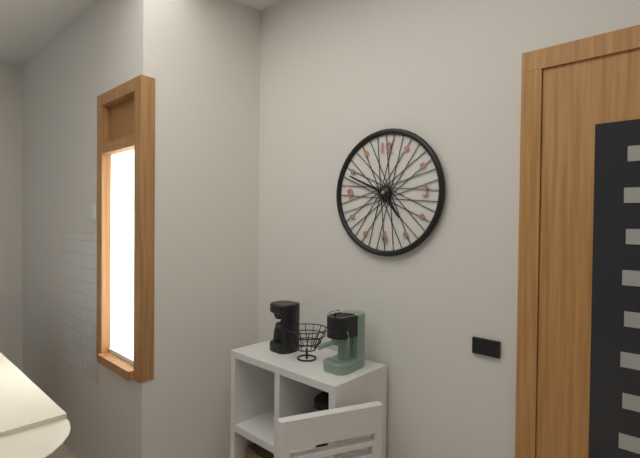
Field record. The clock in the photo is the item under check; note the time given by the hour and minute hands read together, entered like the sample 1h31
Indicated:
4h49
